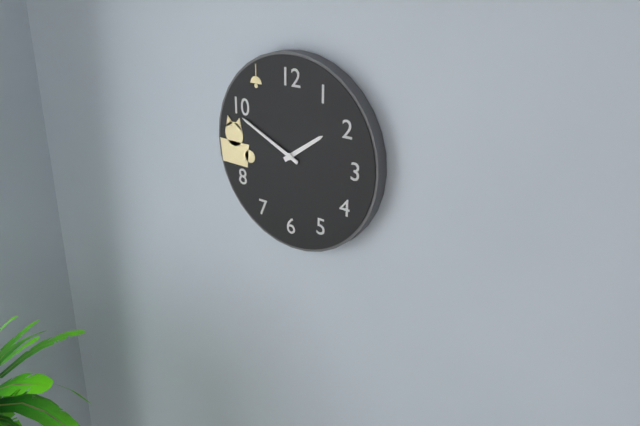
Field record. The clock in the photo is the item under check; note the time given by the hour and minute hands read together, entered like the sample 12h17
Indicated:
1h49
